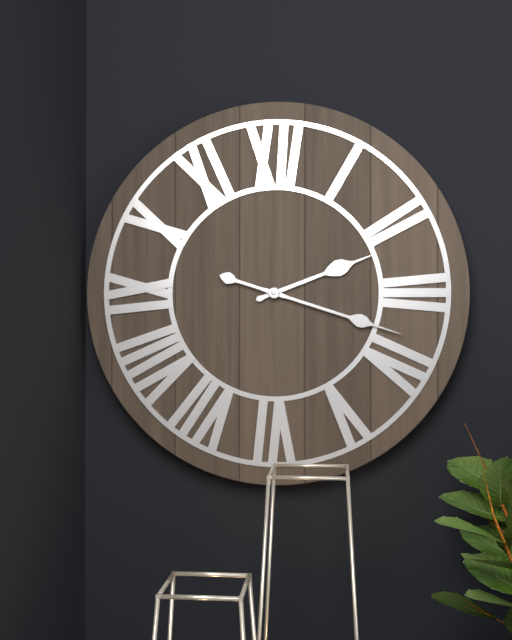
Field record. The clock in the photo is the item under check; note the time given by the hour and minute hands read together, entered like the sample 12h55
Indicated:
2h18
